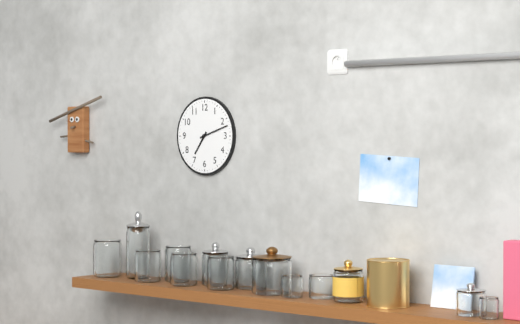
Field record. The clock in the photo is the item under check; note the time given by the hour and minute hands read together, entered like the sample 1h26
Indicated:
7h12
